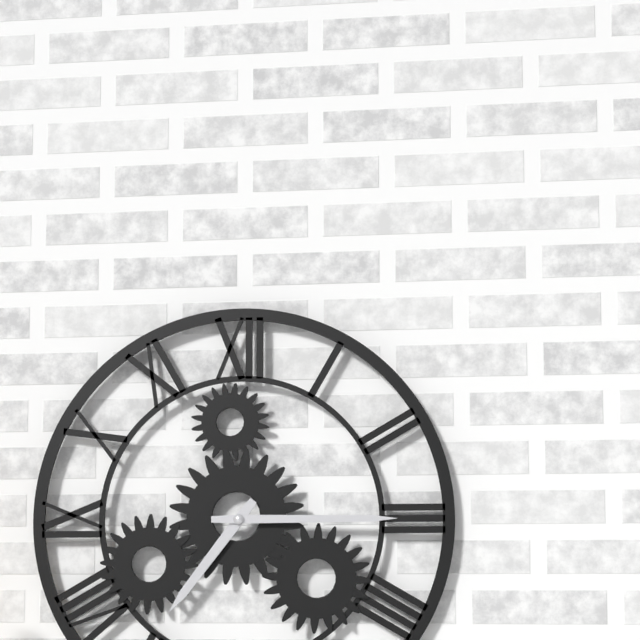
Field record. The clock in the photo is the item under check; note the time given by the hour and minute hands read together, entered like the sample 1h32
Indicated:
7h15
